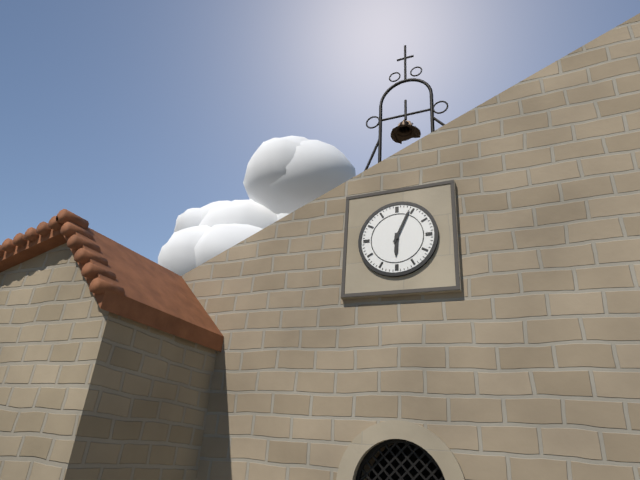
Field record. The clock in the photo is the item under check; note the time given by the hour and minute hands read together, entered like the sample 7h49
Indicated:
6h04
